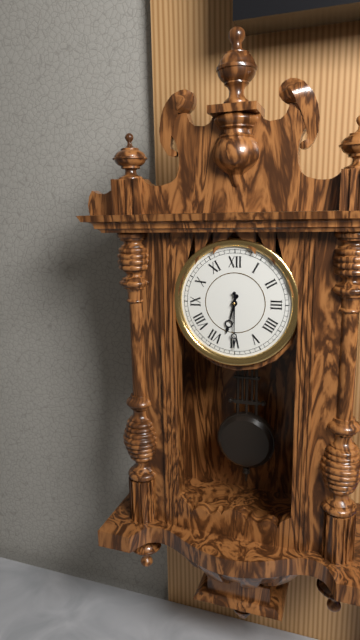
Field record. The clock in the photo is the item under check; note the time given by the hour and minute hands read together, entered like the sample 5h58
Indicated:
6h30
